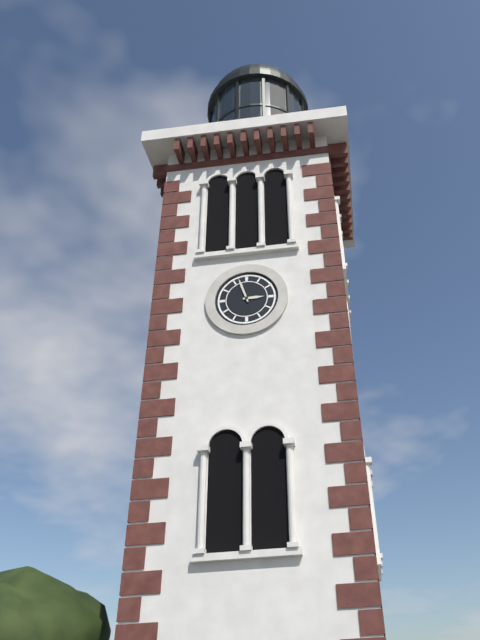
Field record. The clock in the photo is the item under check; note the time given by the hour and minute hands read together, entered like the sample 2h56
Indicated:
2h57
